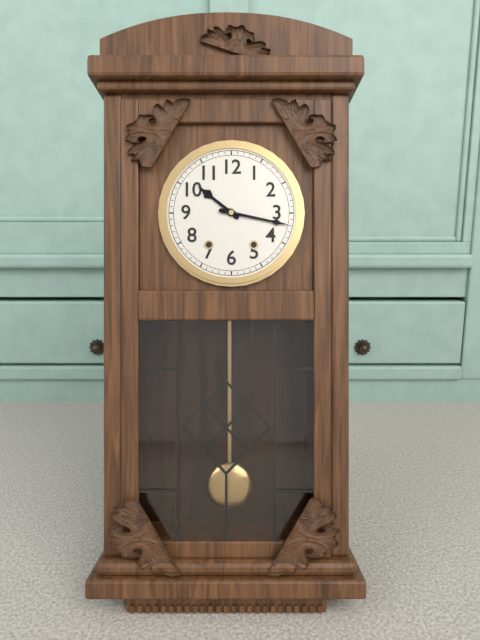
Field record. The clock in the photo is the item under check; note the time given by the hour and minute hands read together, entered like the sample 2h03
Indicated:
10h17
